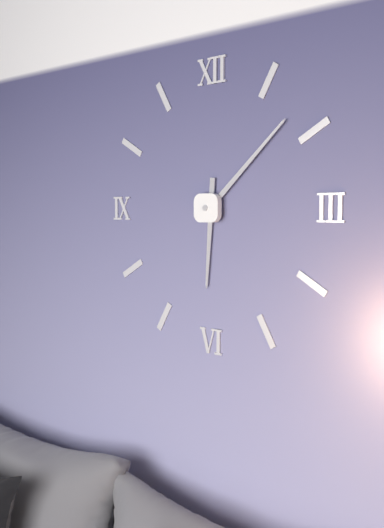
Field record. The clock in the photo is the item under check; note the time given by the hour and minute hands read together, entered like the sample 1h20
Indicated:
6h08
